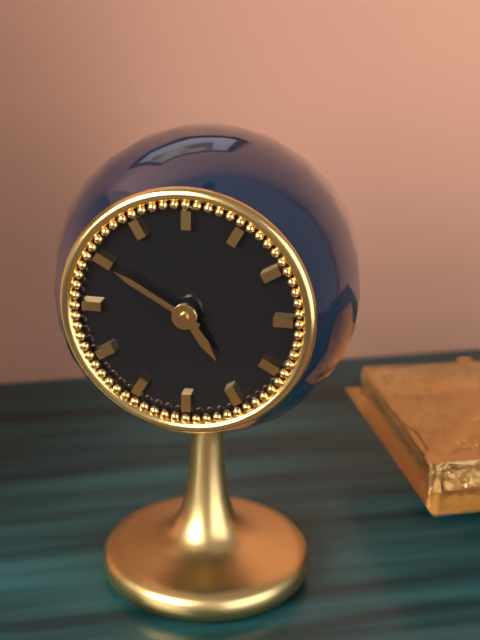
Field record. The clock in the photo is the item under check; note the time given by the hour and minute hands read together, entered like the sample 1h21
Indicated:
4h50
